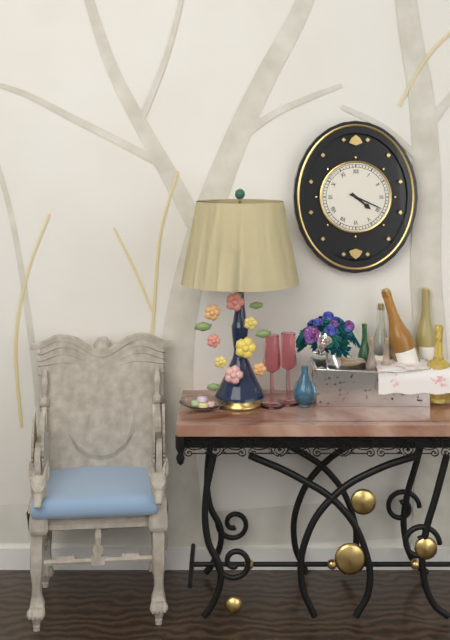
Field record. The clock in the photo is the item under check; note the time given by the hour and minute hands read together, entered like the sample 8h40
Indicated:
4h19
